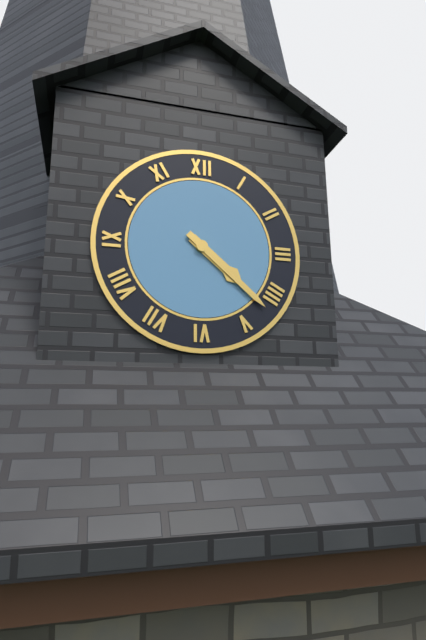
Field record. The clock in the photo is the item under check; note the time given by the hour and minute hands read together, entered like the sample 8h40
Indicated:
4h22
